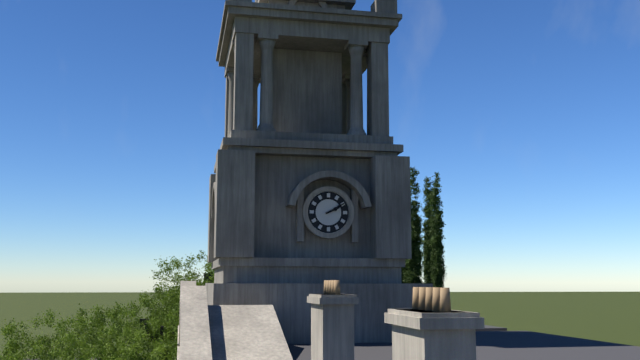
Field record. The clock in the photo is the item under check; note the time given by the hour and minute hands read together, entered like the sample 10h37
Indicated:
2h10
